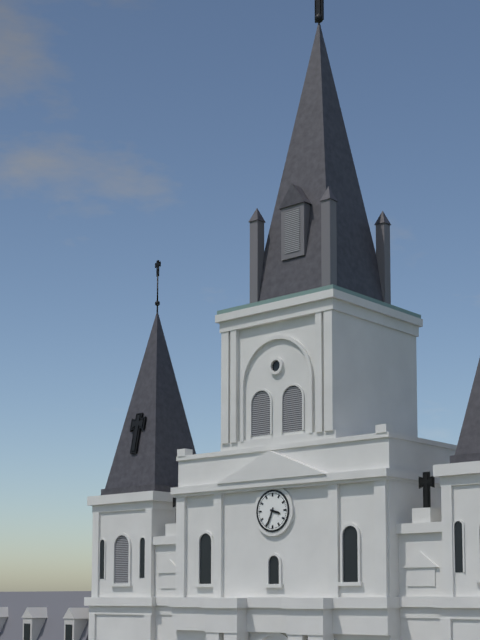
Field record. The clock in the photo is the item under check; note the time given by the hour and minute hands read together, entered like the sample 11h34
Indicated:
3h34
